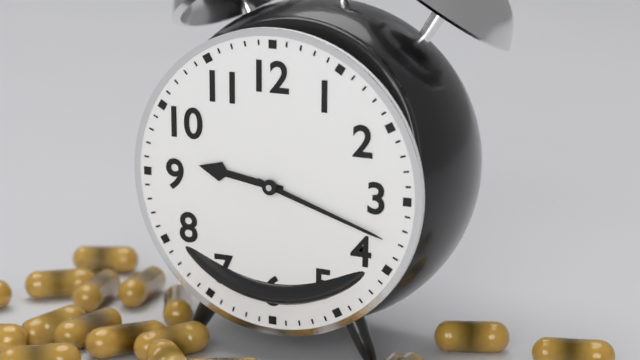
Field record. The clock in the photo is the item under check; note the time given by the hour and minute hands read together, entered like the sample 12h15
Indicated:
9h18
